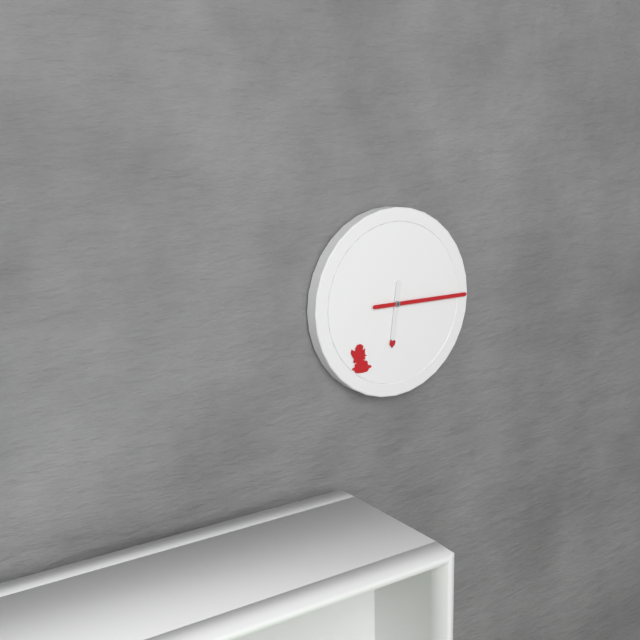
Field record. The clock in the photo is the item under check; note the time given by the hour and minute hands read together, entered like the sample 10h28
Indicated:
6h15
